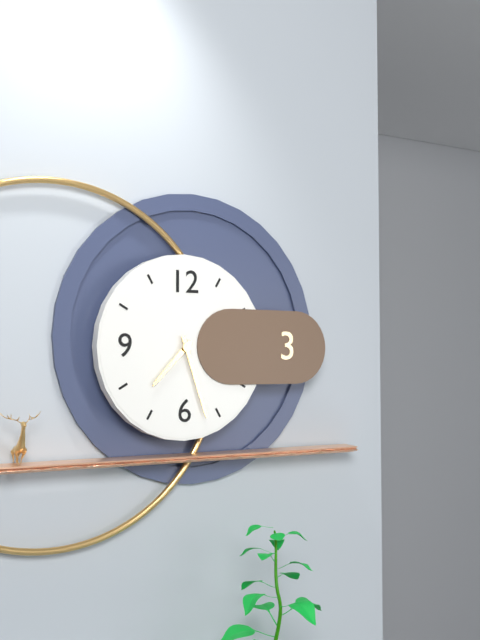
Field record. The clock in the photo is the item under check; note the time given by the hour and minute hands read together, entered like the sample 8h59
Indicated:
7h27
